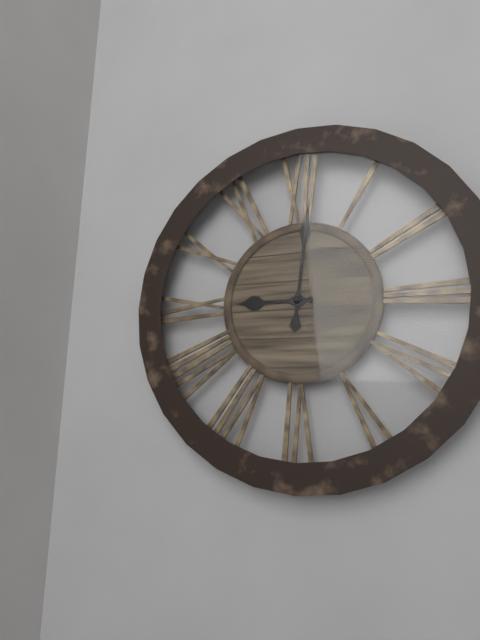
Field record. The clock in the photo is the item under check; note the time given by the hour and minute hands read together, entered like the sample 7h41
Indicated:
9h01
